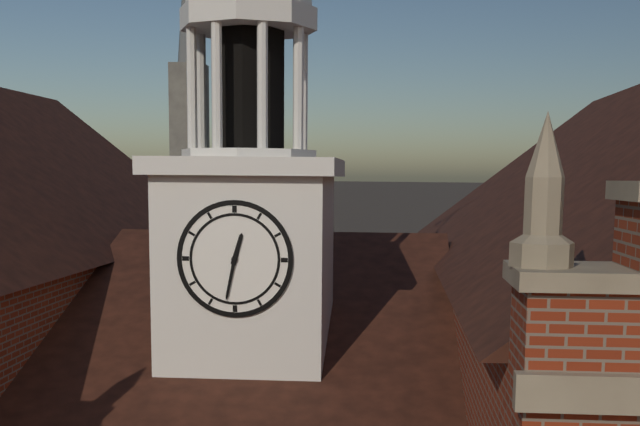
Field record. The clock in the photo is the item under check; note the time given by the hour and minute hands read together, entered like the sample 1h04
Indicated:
12h32
